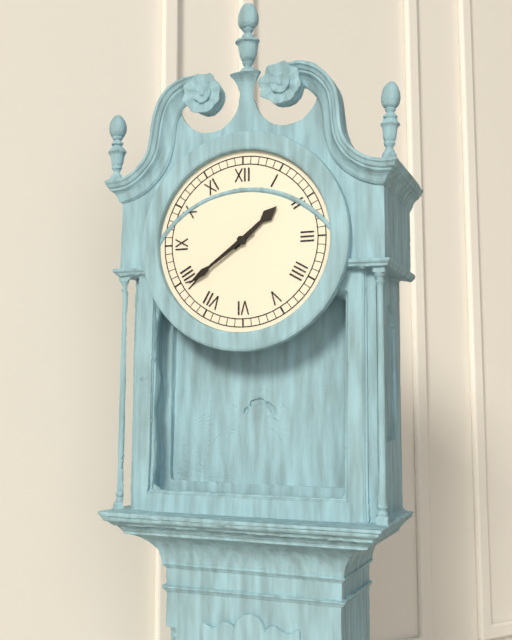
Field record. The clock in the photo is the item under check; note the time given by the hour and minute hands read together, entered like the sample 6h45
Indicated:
1h39
